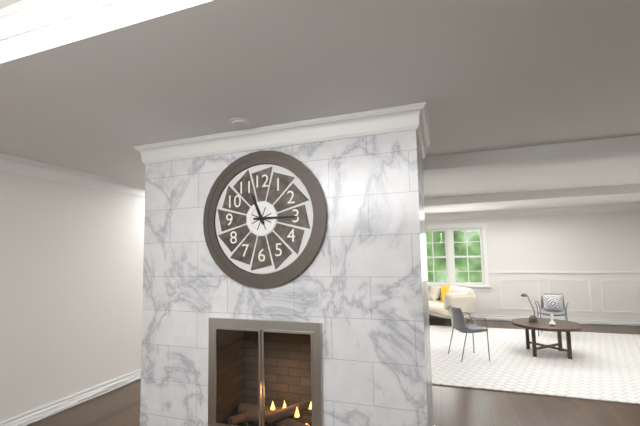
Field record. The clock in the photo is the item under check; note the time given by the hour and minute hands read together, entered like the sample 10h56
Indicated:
11h15
